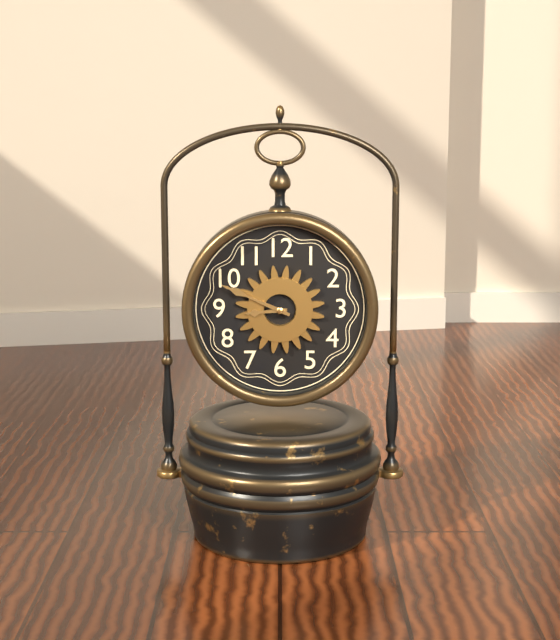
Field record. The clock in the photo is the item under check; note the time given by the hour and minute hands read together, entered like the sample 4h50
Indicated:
8h49
